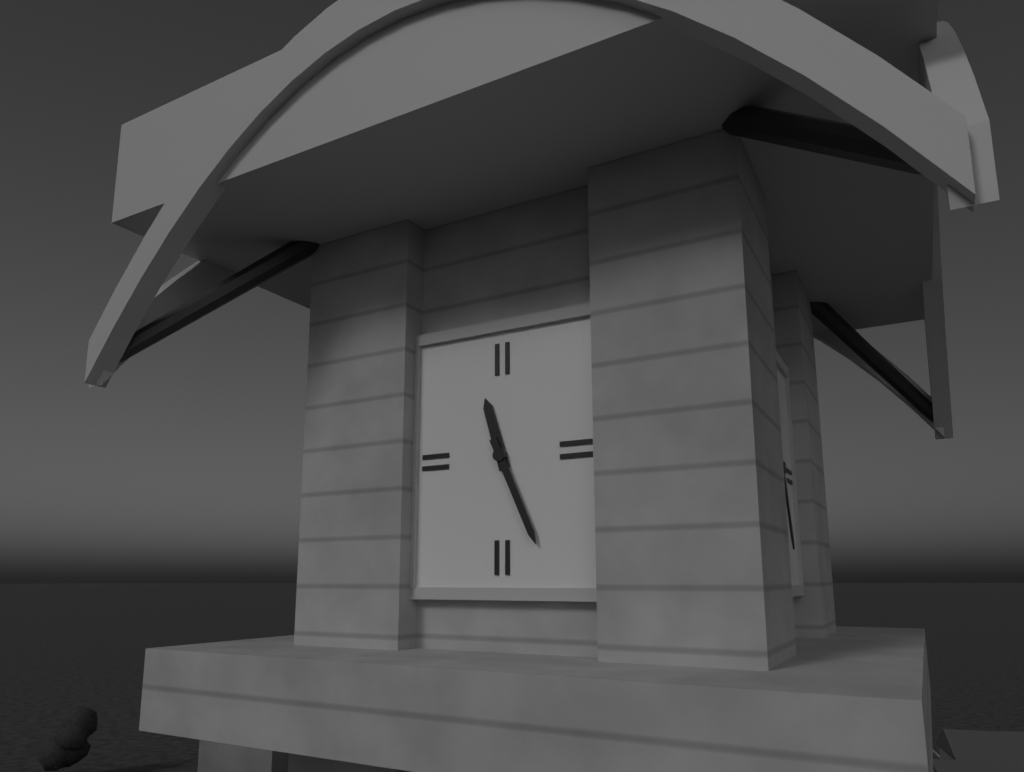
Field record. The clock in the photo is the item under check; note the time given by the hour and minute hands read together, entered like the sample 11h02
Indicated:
11h26
